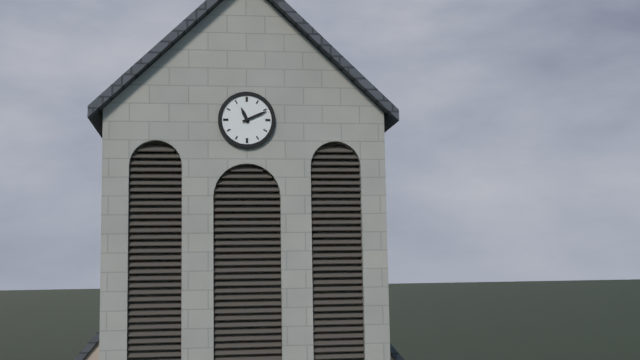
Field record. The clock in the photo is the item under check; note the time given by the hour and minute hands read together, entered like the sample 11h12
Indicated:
11h11
